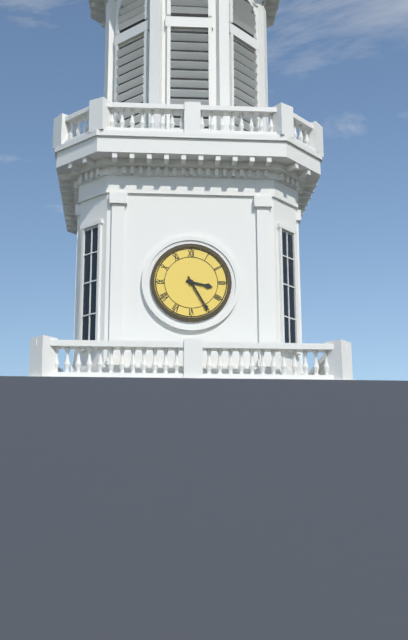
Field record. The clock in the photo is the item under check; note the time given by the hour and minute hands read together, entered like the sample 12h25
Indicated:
3h25
